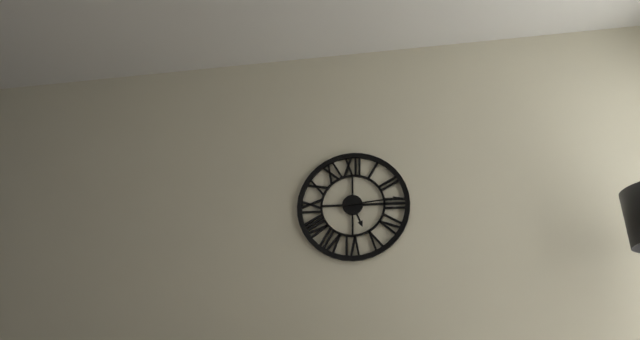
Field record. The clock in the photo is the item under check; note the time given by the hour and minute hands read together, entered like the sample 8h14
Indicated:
5h14
